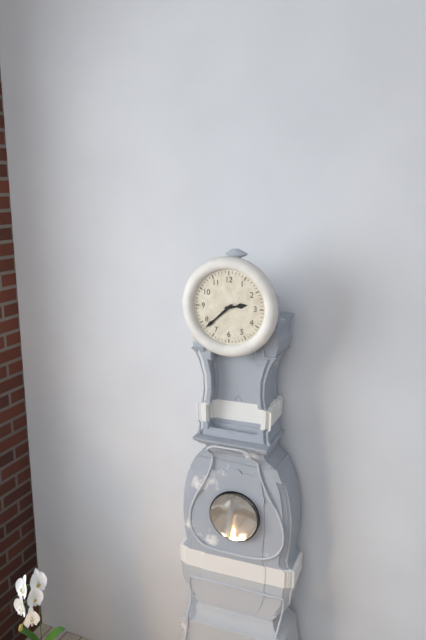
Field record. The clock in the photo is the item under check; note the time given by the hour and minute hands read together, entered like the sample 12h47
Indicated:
2h38
